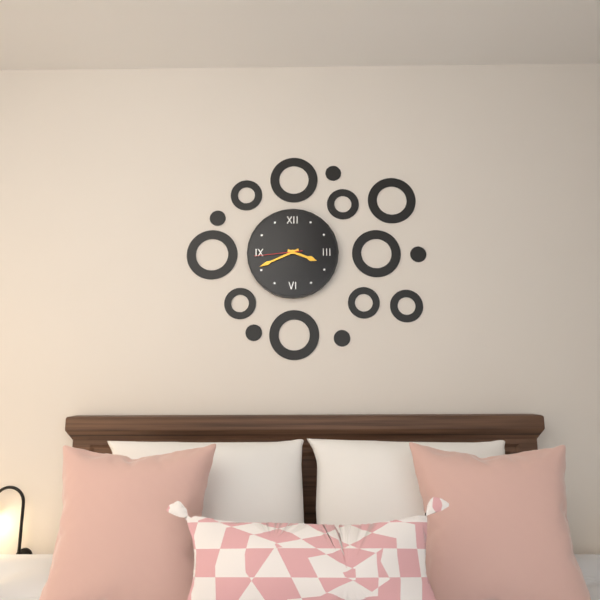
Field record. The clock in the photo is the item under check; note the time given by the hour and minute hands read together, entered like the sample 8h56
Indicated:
3h41
